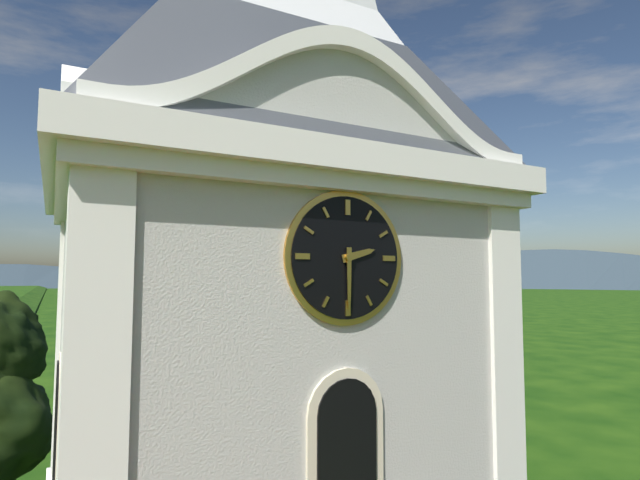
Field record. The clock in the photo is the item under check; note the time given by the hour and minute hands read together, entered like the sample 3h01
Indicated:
2h30
